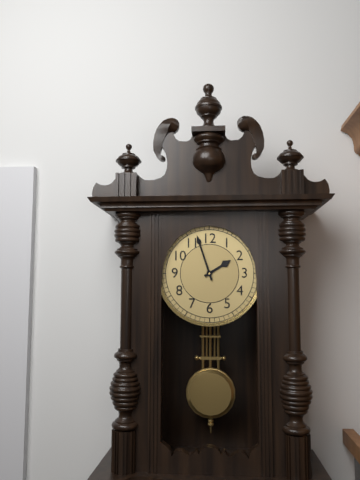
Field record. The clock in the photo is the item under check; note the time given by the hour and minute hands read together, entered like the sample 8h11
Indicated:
1h57
